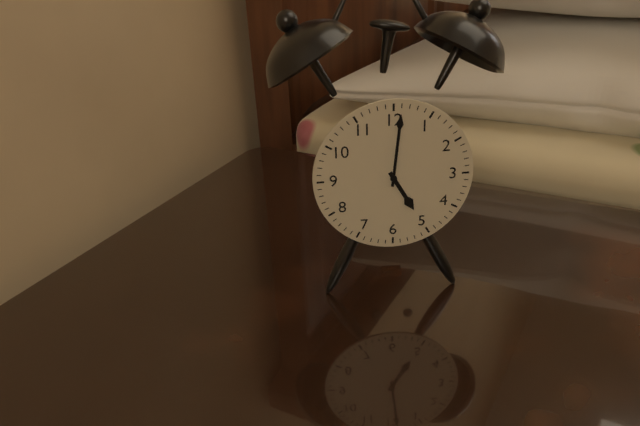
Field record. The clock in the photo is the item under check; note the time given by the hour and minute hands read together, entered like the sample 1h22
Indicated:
5h01
